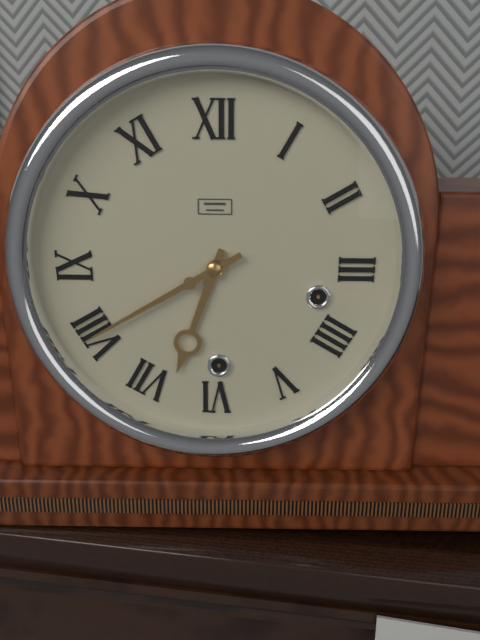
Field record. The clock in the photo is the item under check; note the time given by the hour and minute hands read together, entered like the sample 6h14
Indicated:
6h40
